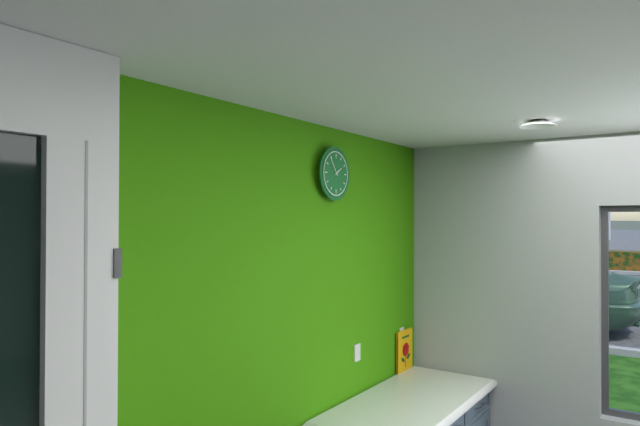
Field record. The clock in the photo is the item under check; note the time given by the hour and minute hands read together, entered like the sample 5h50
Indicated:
1h54
